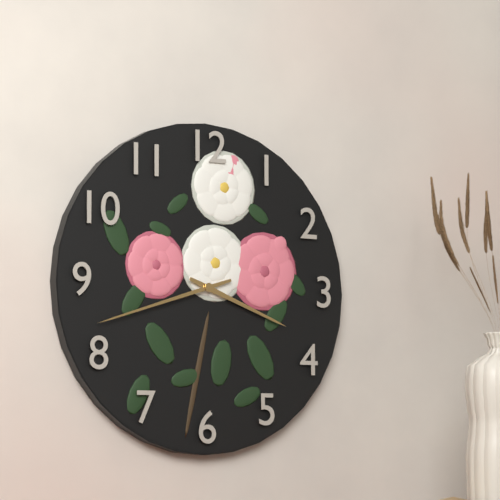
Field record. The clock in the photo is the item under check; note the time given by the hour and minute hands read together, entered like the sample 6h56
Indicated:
3h42
